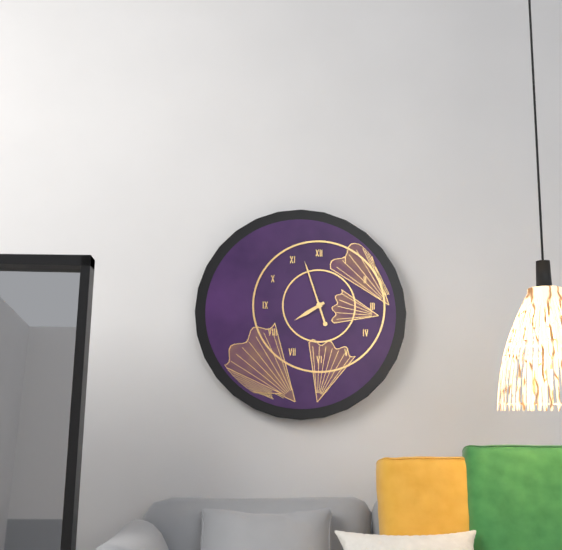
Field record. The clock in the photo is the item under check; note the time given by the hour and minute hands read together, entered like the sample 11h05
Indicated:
7h57
